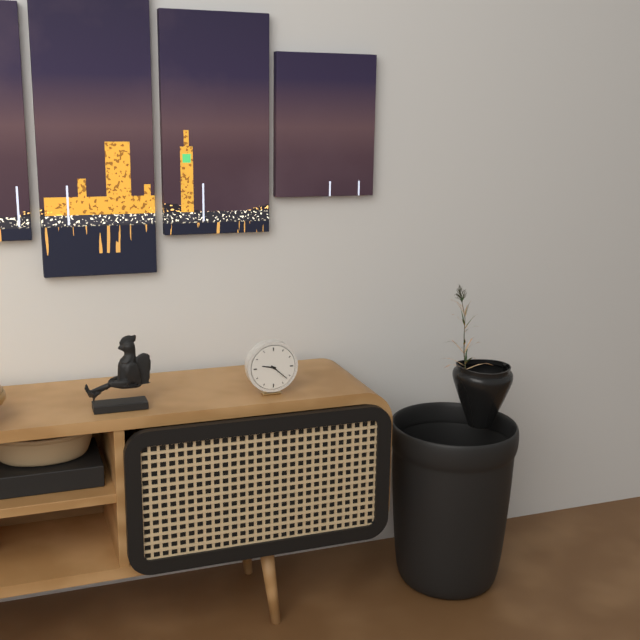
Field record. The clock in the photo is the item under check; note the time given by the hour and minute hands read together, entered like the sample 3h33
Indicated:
9h22
